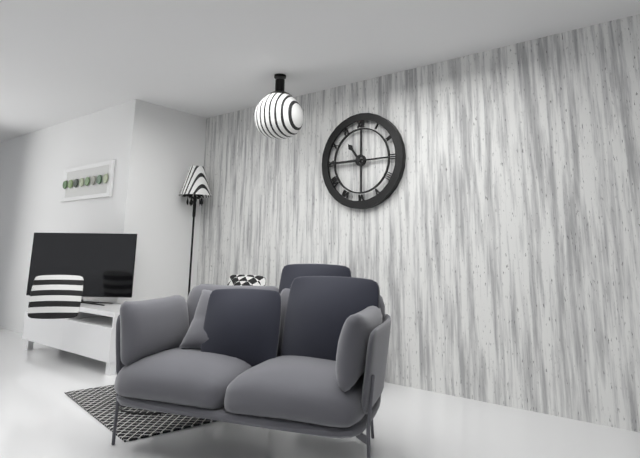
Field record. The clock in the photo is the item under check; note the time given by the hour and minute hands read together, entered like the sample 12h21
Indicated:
10h45
